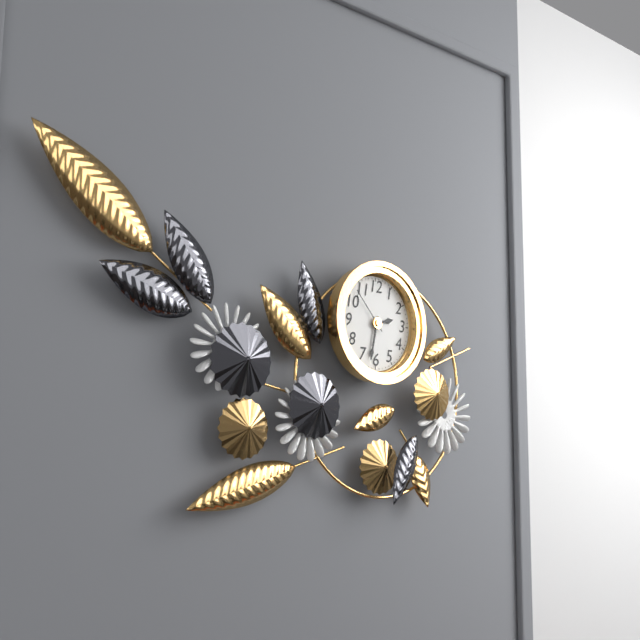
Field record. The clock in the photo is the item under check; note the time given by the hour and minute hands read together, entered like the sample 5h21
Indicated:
2h32
